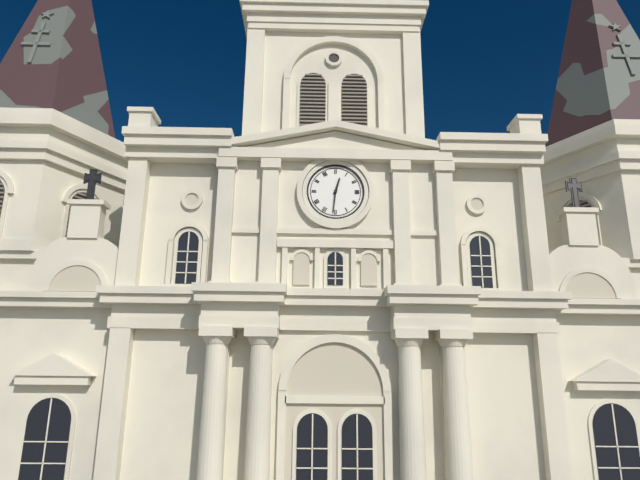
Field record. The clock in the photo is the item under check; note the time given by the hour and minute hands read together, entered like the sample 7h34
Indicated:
12h31
